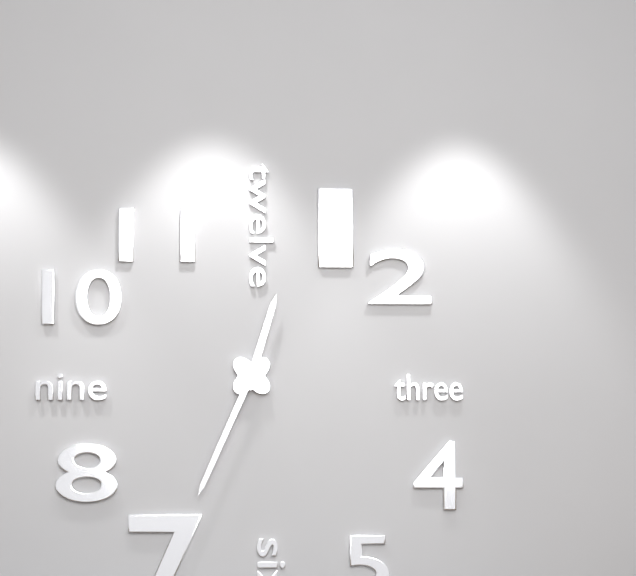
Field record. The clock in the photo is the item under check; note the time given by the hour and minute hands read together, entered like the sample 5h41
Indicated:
12h34
